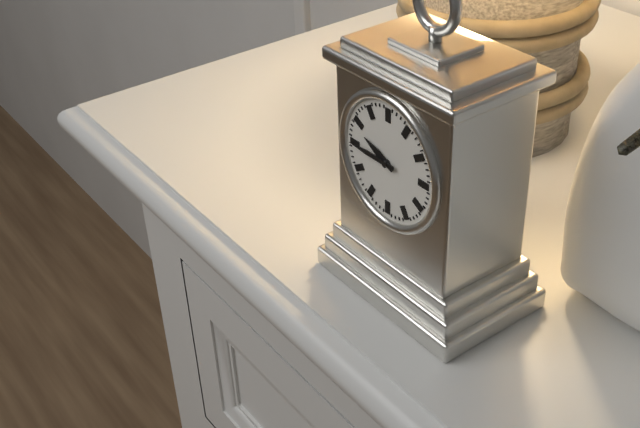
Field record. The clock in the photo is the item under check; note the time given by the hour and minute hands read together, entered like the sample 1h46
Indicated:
9h45
